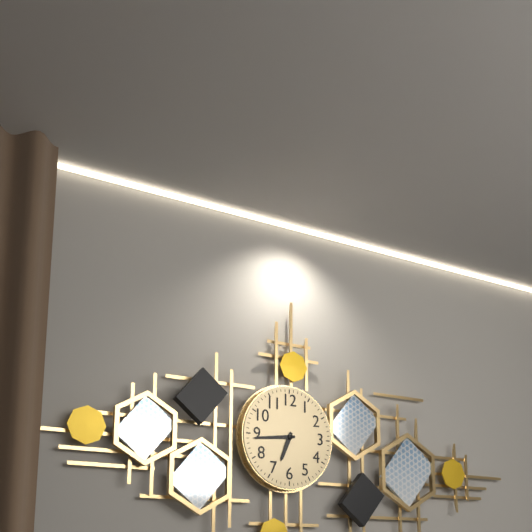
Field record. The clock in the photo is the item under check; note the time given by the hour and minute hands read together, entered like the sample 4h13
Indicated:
6h44
